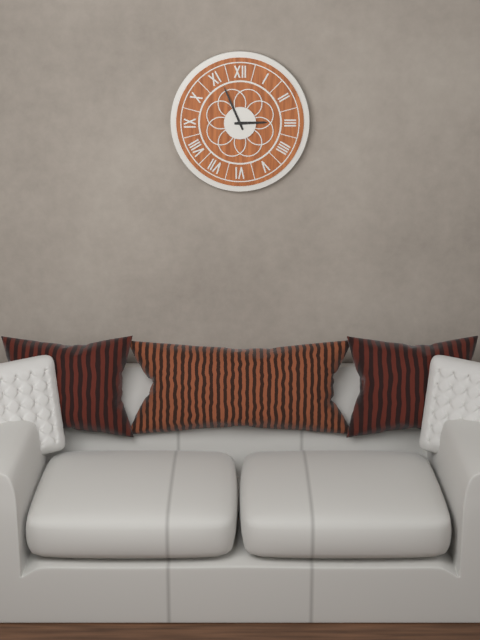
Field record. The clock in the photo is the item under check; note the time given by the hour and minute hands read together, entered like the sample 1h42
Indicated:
2h56
